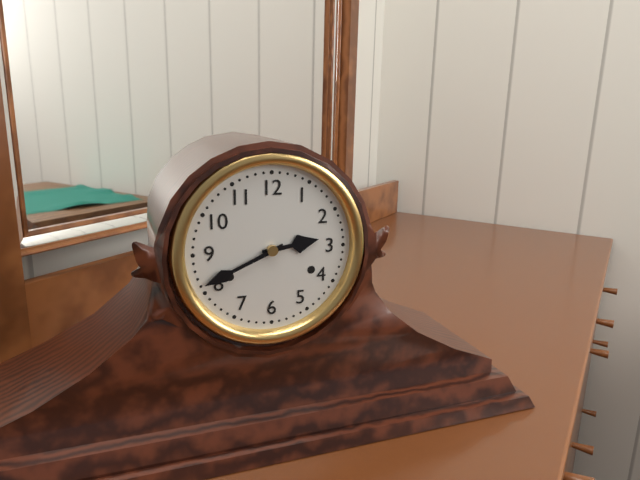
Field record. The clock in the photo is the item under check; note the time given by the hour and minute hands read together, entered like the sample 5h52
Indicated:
2h41
